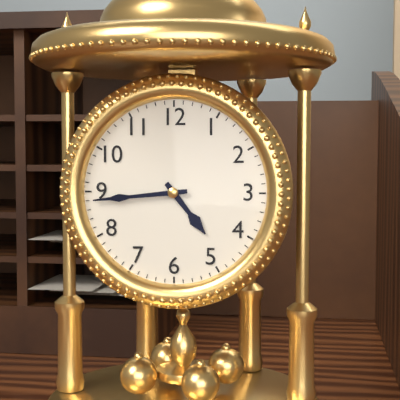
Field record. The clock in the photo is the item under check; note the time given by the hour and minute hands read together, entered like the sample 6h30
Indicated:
4h44
